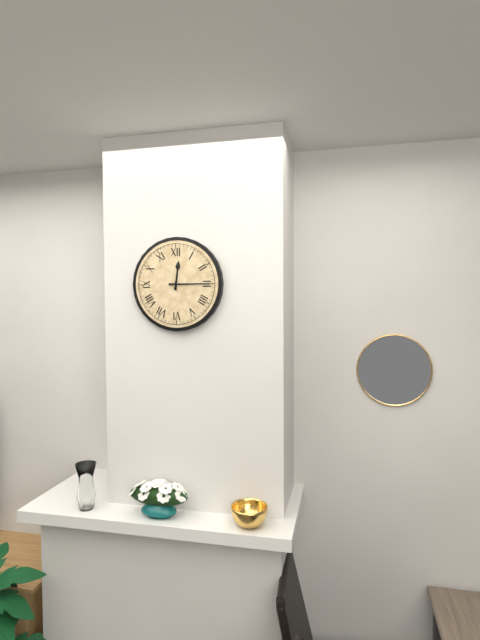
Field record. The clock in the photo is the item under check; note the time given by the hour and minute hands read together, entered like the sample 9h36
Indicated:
12h15
